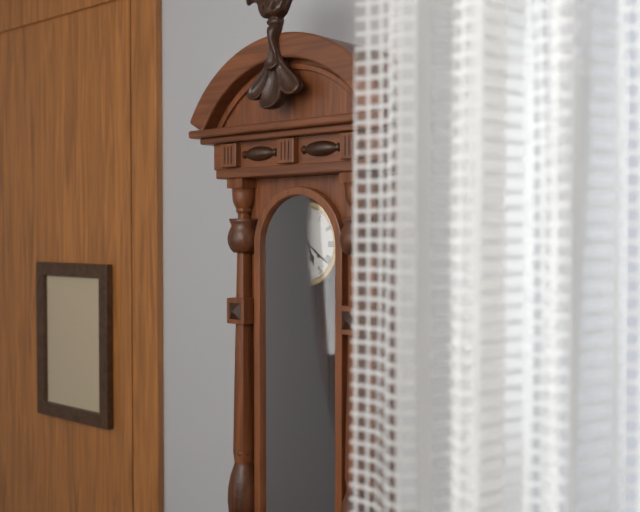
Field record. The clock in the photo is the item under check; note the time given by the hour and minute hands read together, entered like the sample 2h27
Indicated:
5h21
